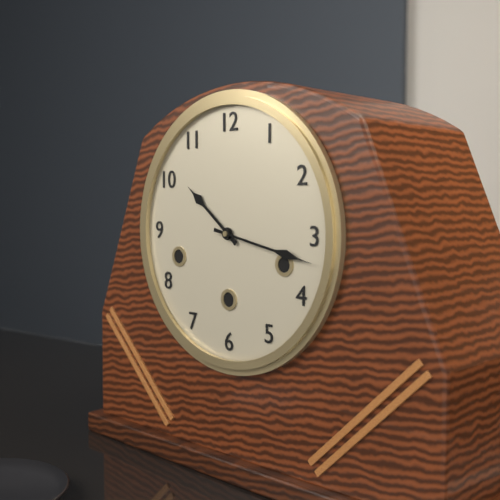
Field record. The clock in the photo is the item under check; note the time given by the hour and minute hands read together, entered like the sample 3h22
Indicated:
10h17
